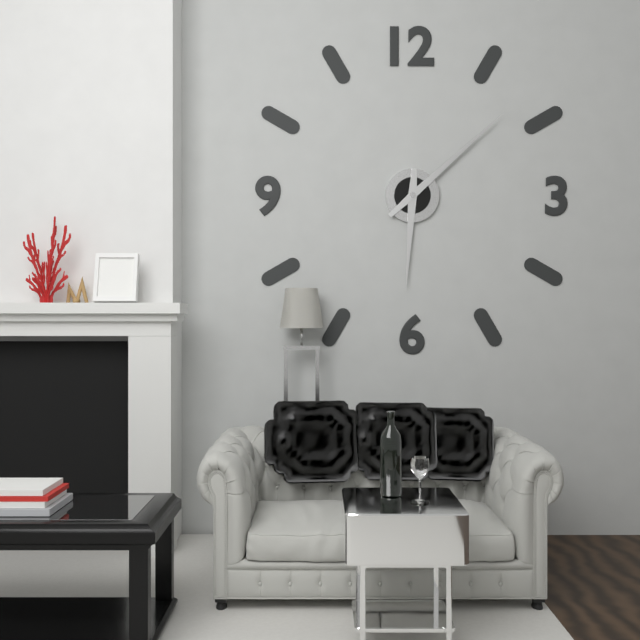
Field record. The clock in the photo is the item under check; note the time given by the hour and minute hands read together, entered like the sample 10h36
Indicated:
6h08
